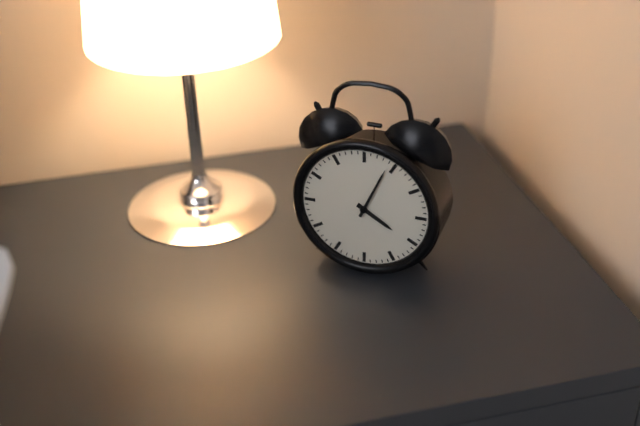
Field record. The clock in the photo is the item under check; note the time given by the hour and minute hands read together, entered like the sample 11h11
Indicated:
4h04
